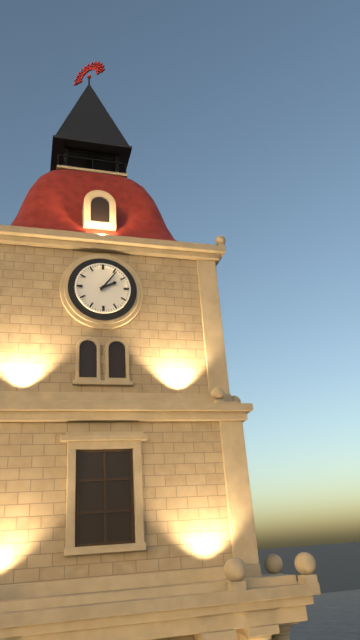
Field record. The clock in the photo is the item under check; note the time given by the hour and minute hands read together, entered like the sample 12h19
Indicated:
2h06
